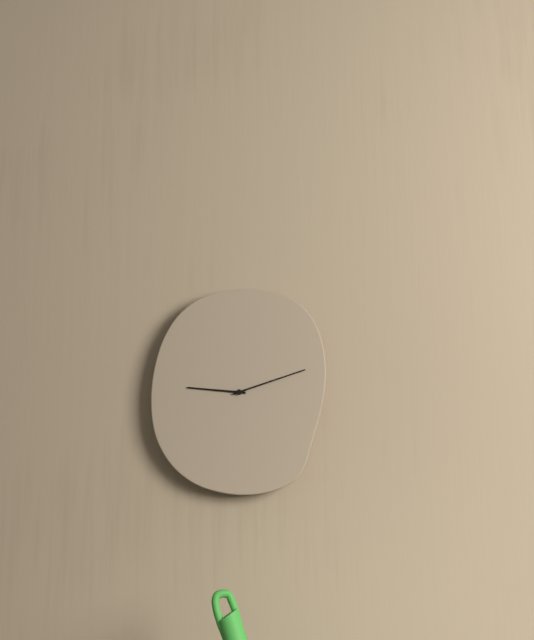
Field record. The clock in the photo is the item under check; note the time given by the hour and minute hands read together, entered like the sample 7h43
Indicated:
9h12
